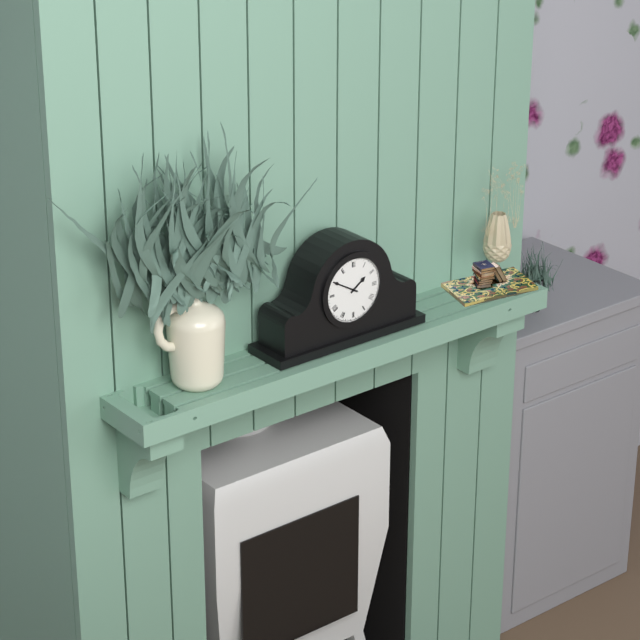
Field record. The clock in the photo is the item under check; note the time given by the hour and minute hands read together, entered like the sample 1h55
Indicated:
1h50
